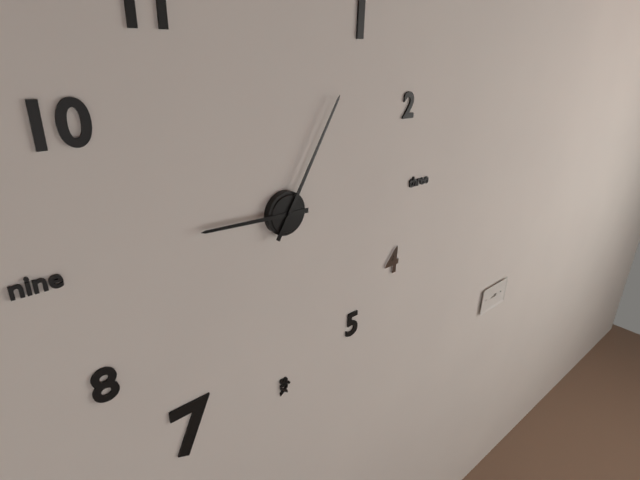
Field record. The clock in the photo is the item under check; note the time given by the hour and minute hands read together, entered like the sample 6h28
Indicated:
9h05
